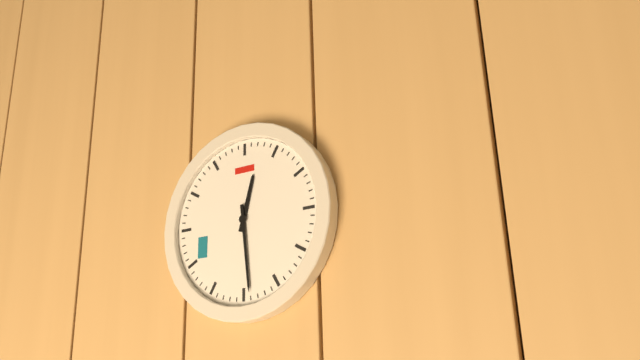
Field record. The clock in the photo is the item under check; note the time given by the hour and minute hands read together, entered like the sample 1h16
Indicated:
12h29
